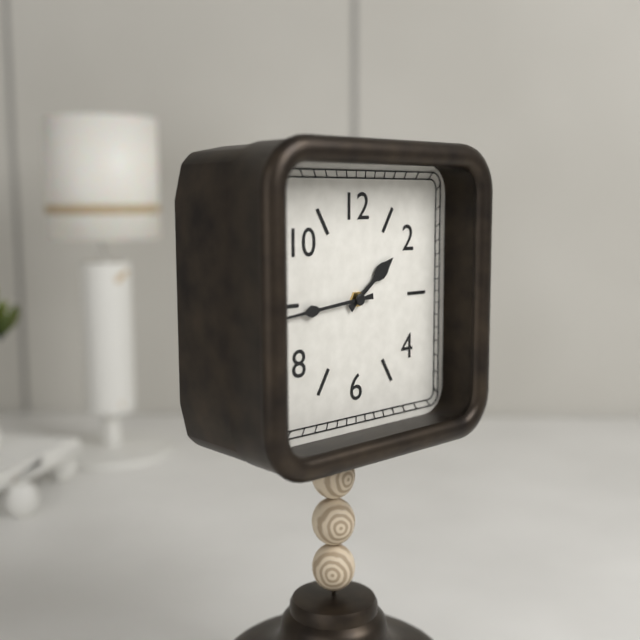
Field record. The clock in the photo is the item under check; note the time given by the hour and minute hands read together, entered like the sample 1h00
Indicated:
1h44
